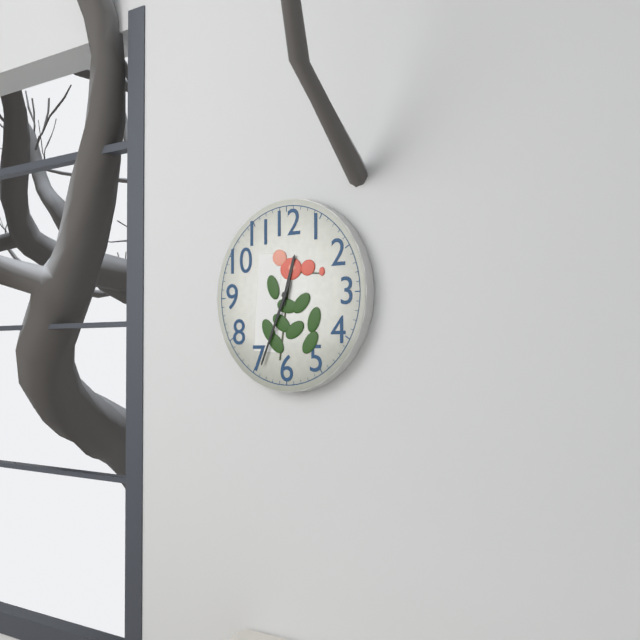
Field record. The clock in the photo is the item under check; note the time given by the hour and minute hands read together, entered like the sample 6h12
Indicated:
12h34
